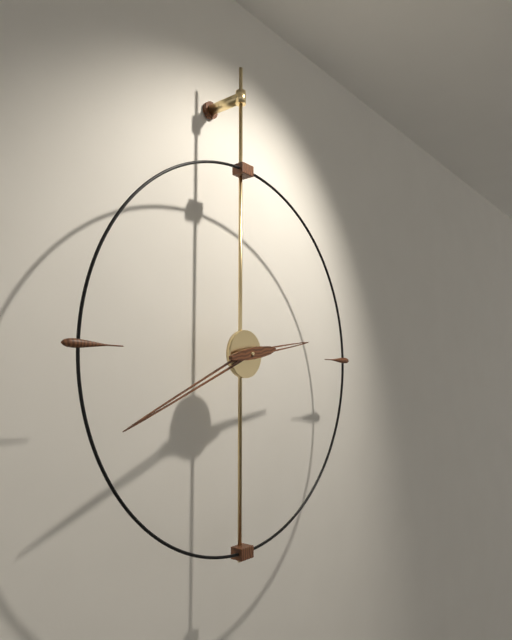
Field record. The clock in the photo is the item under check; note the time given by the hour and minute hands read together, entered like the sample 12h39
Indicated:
2h41
